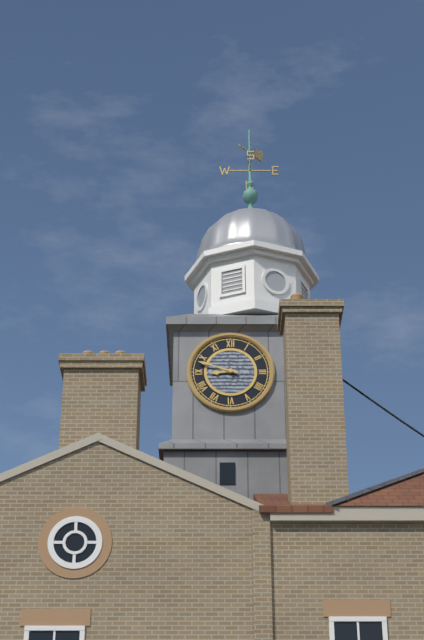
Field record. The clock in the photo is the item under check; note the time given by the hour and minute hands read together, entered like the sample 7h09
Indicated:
8h48
